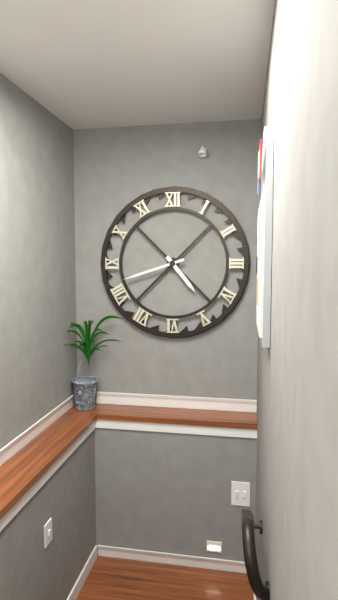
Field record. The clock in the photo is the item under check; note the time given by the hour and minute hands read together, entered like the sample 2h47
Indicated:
4h42
